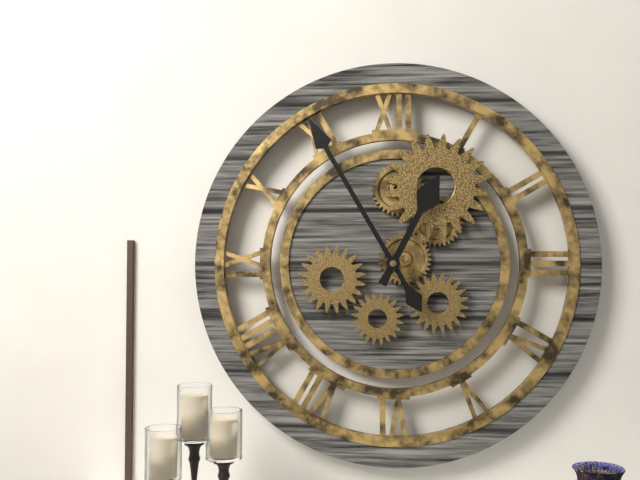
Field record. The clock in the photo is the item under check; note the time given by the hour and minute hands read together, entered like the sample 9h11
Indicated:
12h55
